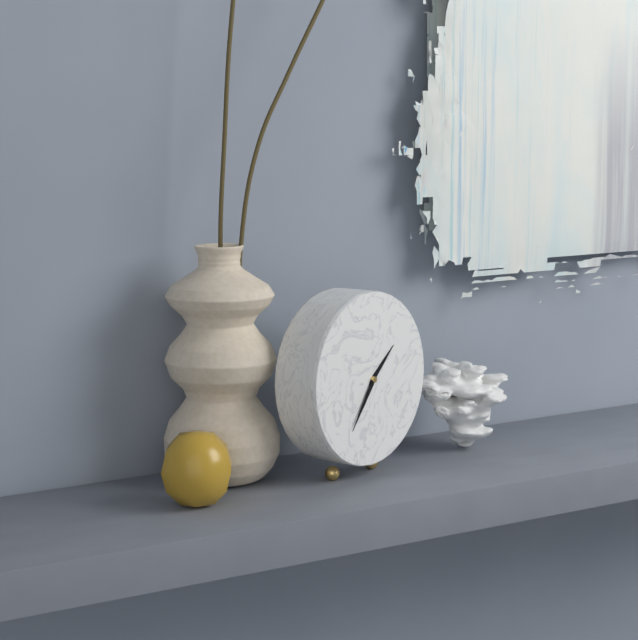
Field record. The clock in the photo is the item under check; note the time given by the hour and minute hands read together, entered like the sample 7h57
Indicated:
1h36
